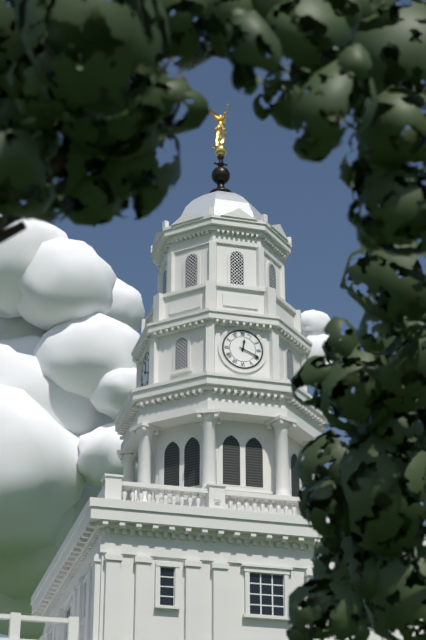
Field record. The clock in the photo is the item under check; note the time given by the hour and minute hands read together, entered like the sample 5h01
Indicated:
12h19
